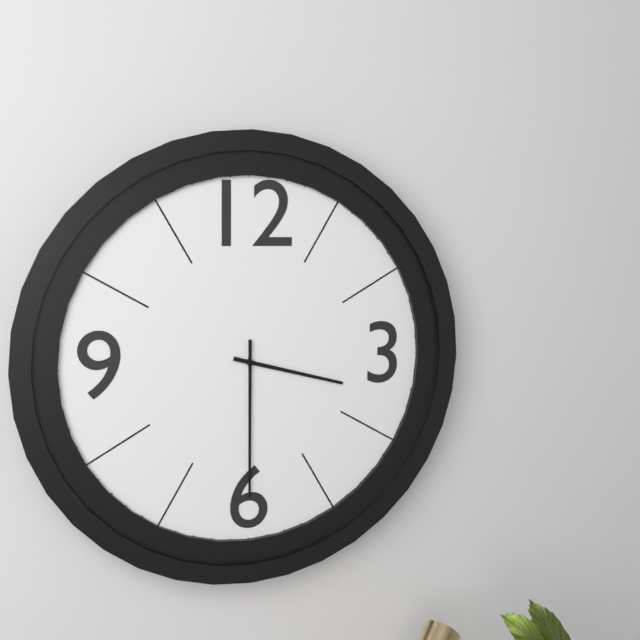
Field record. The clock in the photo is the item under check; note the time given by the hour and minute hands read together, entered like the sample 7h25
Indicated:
3h30
